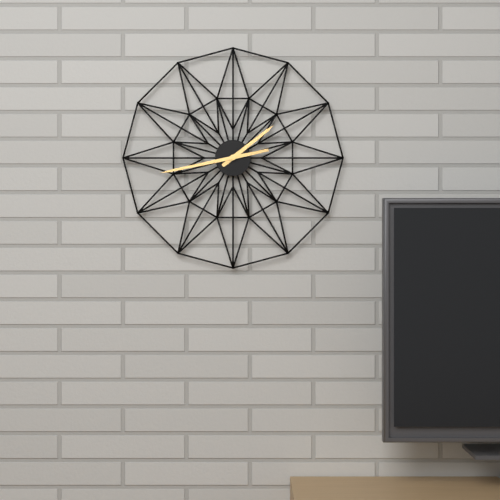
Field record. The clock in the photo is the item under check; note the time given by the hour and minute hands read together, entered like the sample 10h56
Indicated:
1h43
